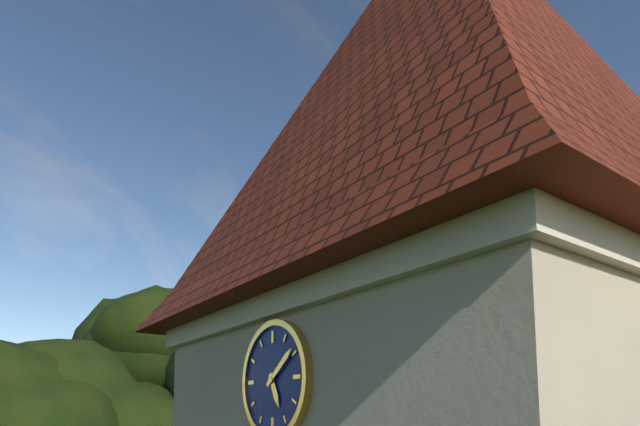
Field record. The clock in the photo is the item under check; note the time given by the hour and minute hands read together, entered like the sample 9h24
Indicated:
5h09
